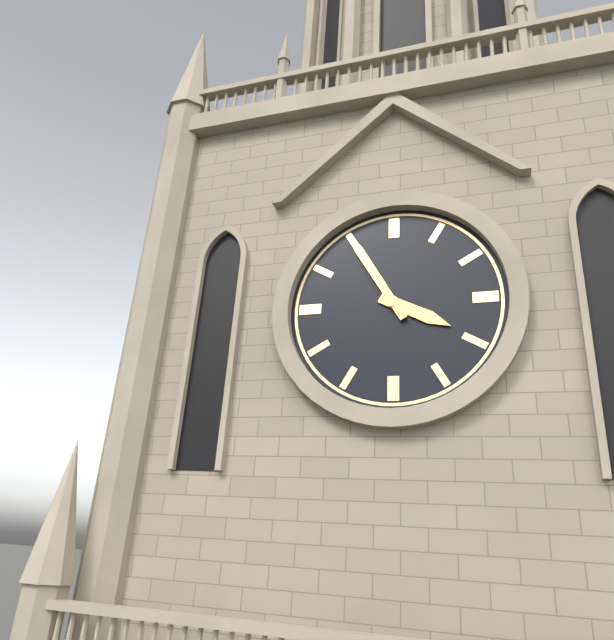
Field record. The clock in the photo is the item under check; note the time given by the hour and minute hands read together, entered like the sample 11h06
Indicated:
3h55
